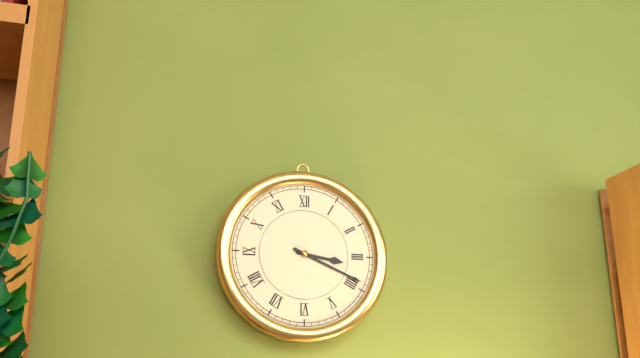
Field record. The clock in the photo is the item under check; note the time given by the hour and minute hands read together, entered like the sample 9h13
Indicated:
3h19
